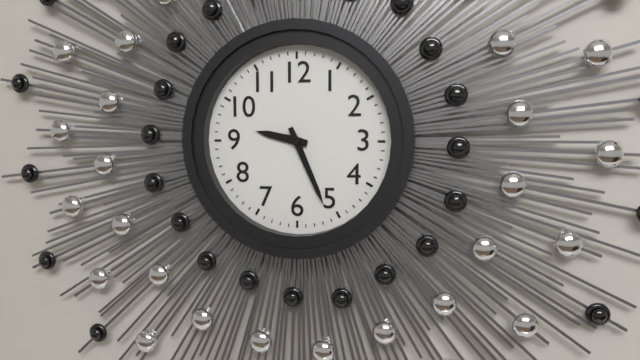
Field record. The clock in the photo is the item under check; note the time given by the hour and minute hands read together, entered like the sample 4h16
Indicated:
9h26
